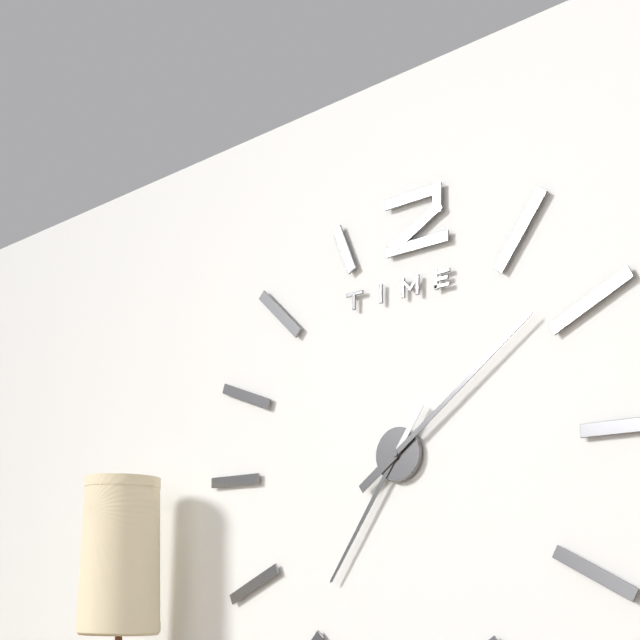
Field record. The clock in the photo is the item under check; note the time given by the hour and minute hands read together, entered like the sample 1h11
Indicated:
7h09
